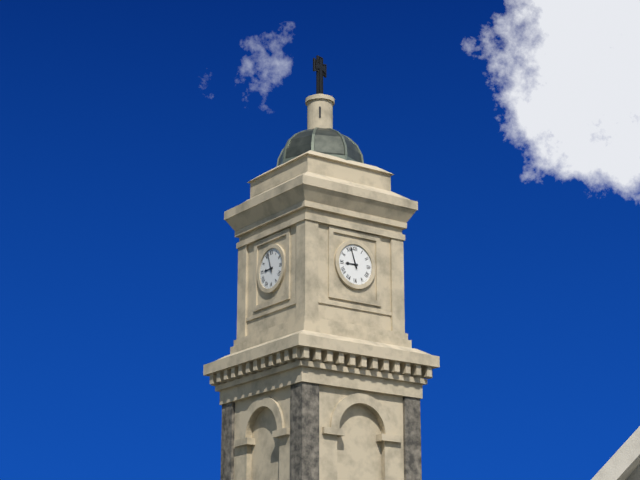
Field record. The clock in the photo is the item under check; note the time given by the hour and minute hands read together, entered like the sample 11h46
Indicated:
8h57
